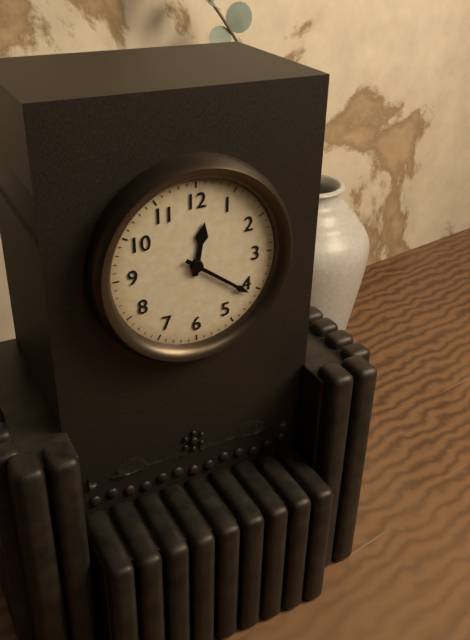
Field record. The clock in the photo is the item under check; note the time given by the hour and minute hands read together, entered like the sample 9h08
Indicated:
12h21
